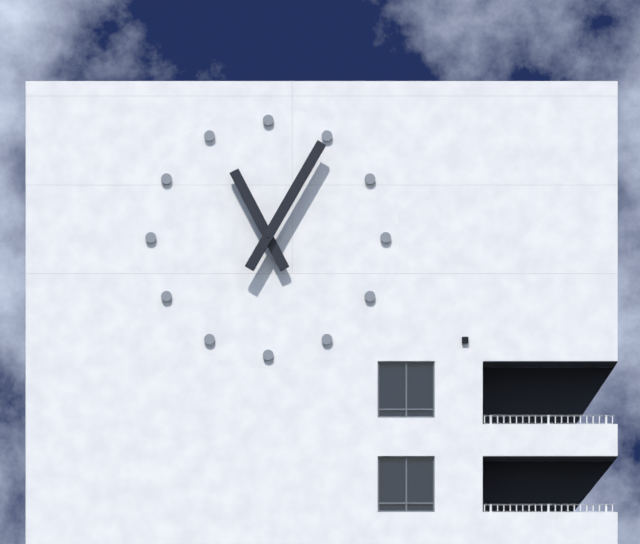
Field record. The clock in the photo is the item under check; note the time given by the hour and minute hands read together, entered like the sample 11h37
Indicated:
11h05
